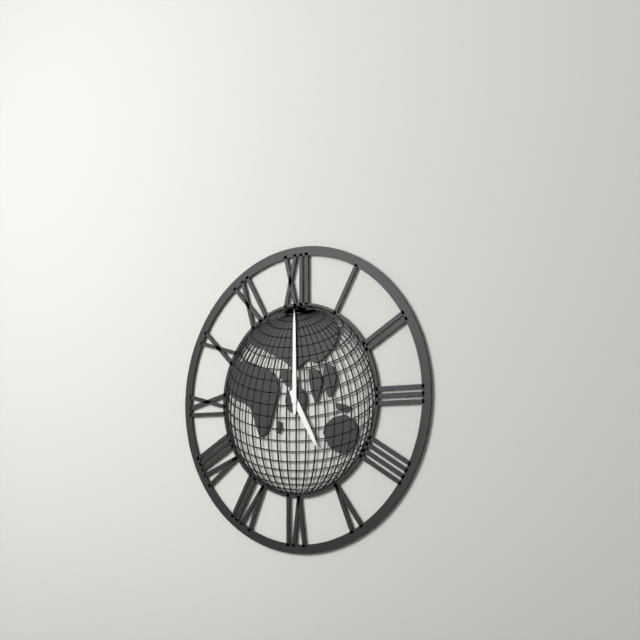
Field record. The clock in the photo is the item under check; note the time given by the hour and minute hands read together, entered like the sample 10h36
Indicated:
5h00
